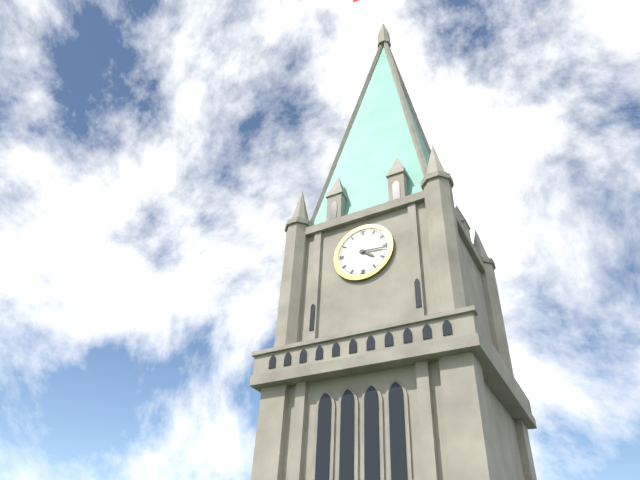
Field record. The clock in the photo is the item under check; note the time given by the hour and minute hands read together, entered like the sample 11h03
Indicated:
4h16
